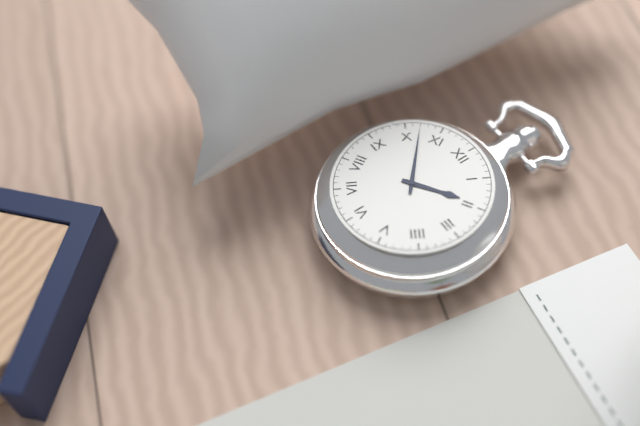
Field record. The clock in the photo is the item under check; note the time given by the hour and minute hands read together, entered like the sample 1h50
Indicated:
1h52
